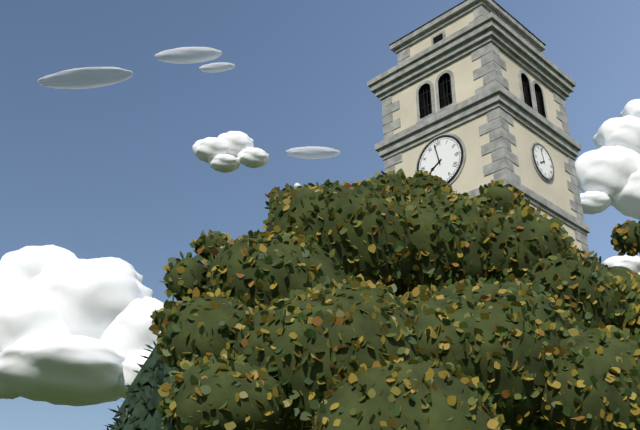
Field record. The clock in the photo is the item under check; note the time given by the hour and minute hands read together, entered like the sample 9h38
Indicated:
7h58
